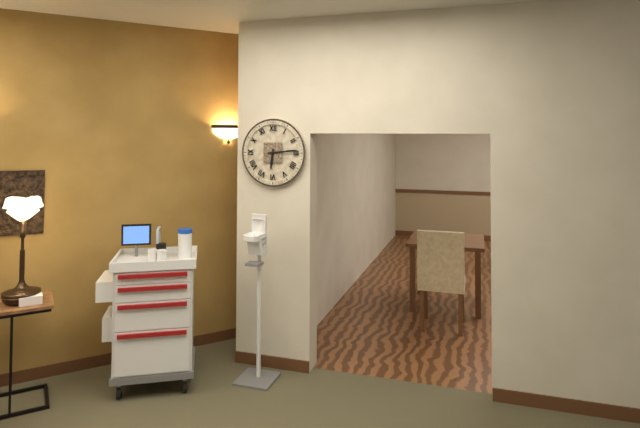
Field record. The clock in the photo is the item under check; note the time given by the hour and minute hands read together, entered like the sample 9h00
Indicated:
6h14
